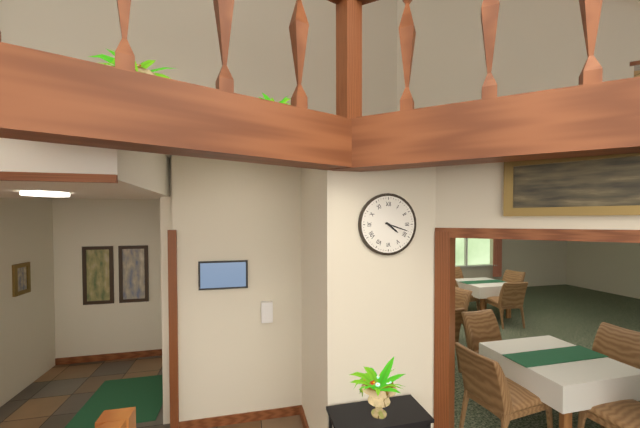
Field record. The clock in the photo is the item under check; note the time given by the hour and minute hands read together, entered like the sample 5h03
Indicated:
4h18
